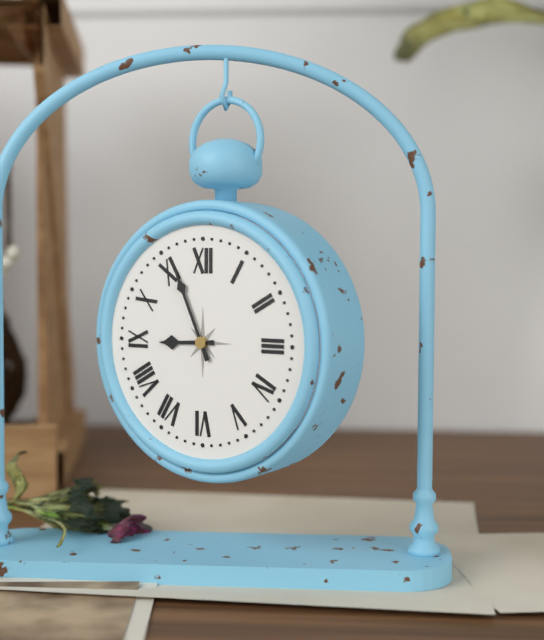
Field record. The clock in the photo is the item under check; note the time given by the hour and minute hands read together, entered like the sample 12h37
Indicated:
8h56
